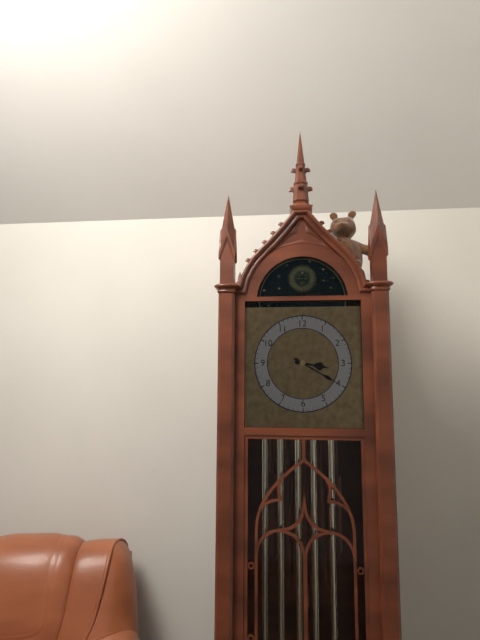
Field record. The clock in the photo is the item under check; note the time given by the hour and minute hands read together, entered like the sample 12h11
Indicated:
3h20
